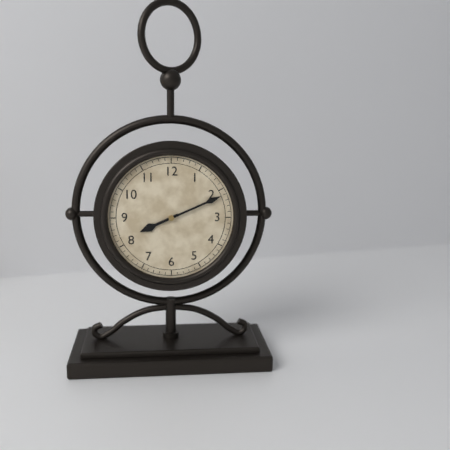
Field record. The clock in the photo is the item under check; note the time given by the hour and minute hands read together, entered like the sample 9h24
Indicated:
8h11
